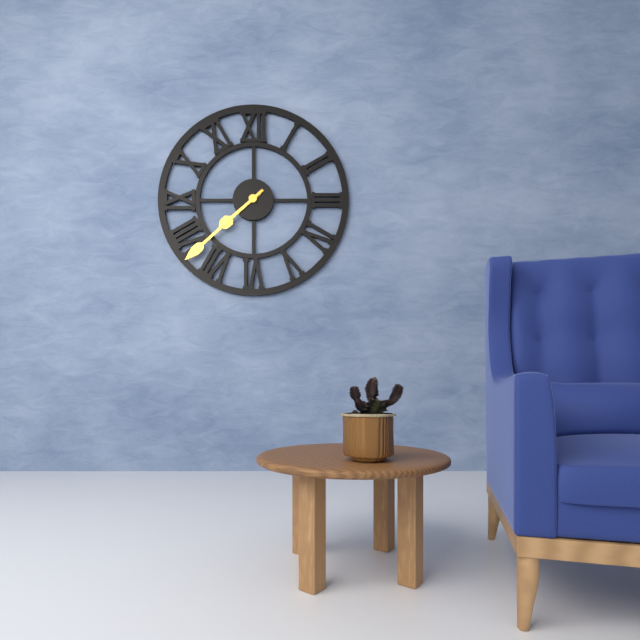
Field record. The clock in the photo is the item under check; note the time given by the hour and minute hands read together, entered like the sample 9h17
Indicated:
7h38
